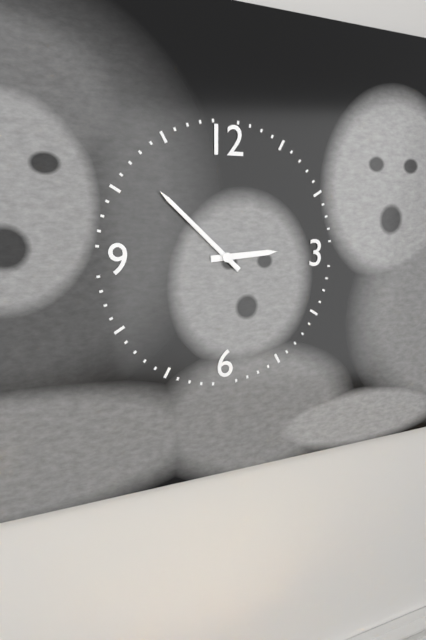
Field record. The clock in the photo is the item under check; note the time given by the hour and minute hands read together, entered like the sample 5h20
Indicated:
2h52
